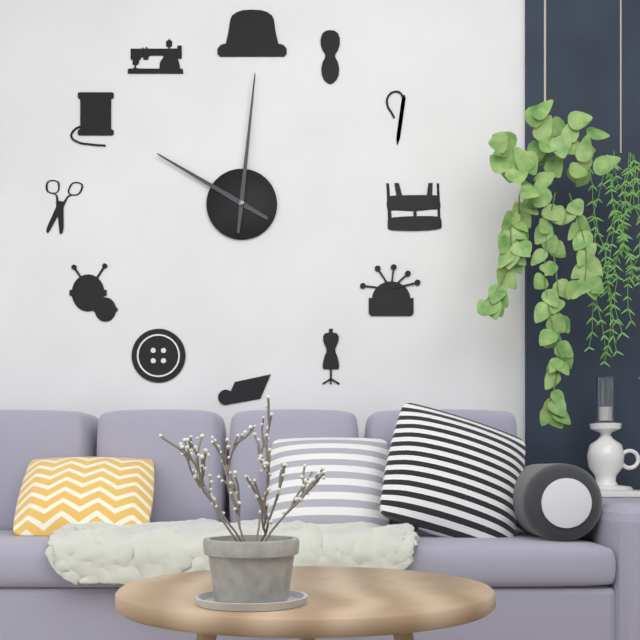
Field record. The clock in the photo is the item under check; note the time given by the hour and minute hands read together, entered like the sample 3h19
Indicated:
10h01
